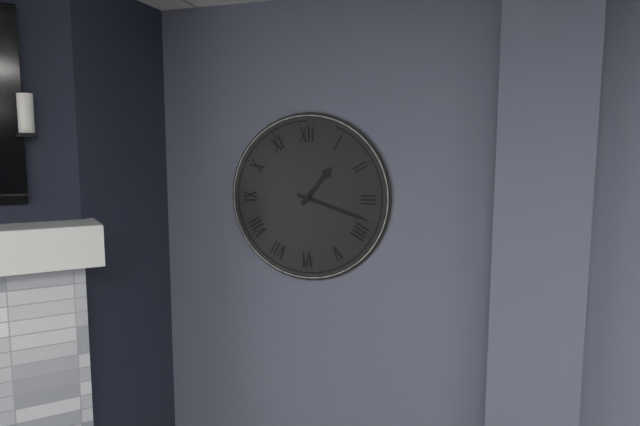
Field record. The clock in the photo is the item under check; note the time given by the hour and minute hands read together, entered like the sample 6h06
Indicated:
1h18
